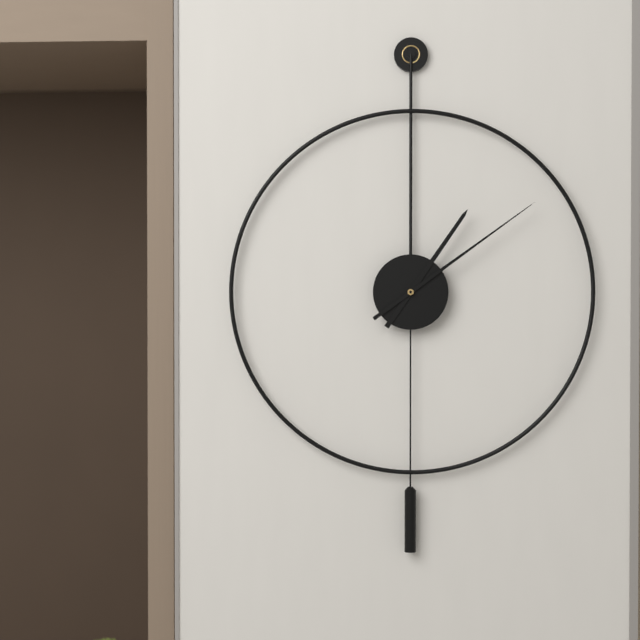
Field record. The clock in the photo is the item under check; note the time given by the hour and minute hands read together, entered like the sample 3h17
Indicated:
1h09
